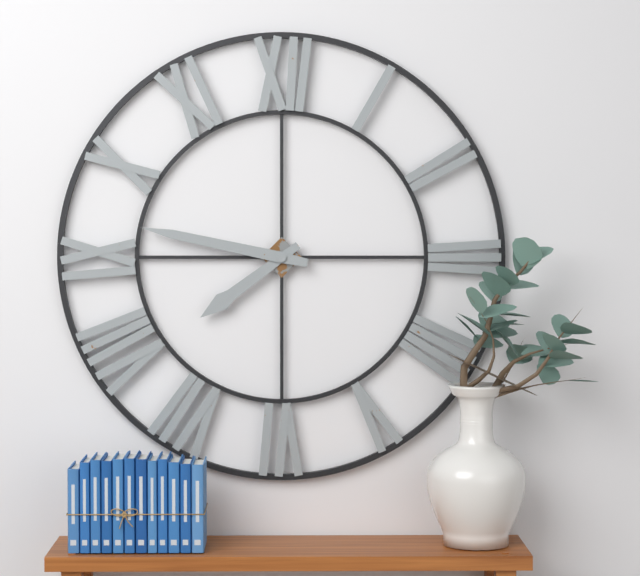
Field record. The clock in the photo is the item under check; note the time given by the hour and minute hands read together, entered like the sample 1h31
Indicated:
7h47
